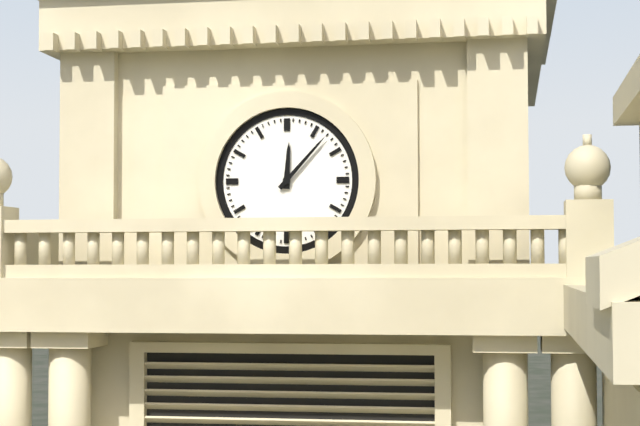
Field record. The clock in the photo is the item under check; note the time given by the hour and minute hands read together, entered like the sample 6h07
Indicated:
12h07
